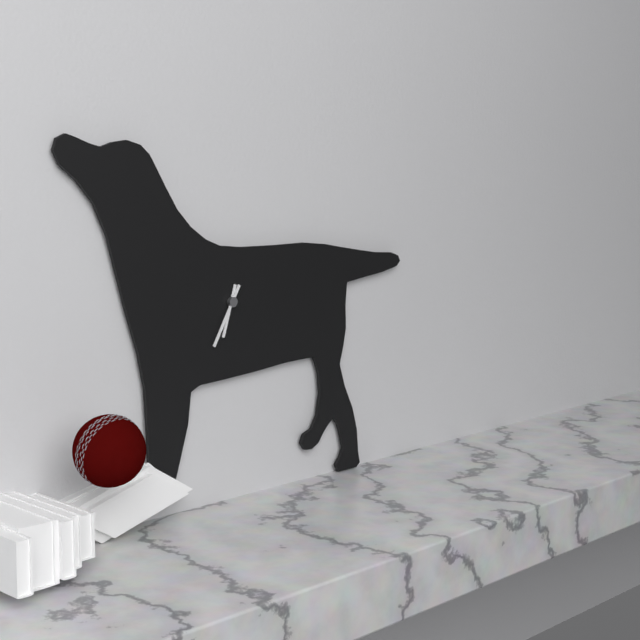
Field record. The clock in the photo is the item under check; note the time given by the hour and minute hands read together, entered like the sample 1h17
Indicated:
6h35
